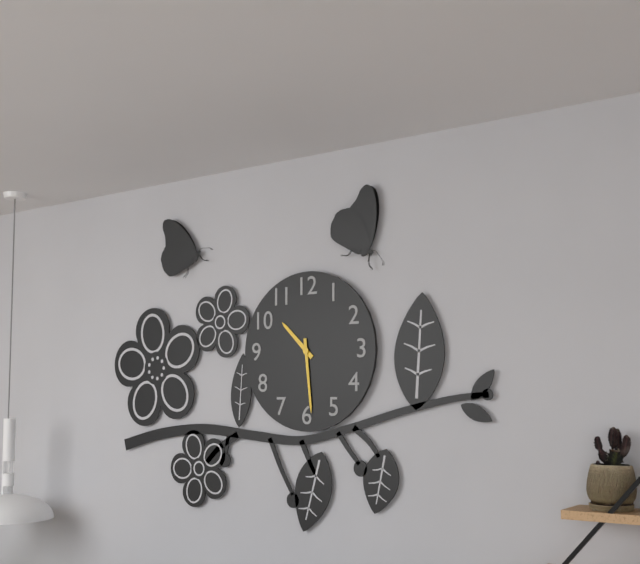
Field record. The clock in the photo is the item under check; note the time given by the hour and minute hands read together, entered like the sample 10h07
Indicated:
10h29
